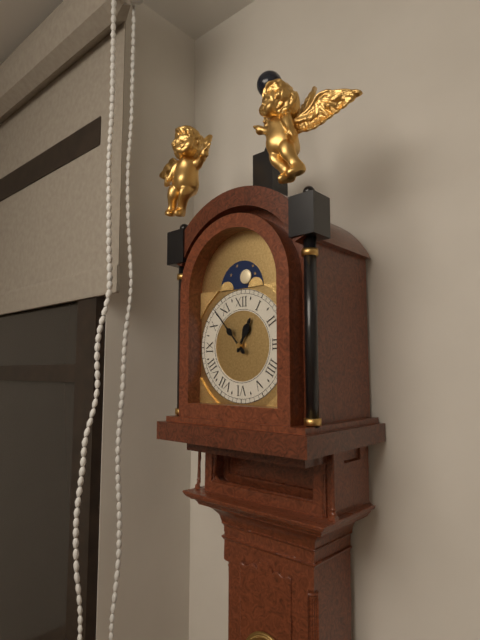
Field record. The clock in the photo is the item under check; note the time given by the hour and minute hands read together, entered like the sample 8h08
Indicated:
12h53
